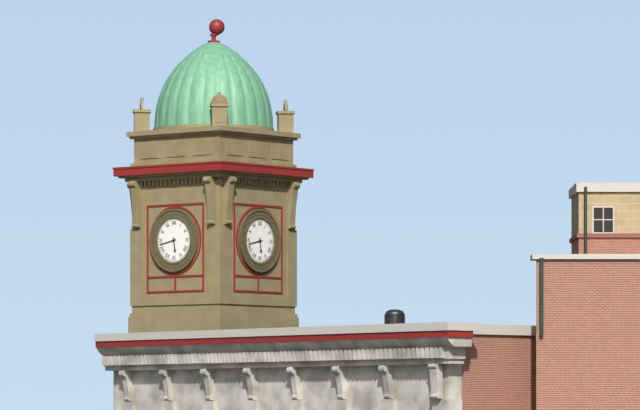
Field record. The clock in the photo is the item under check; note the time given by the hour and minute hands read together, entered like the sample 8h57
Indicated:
5h43
